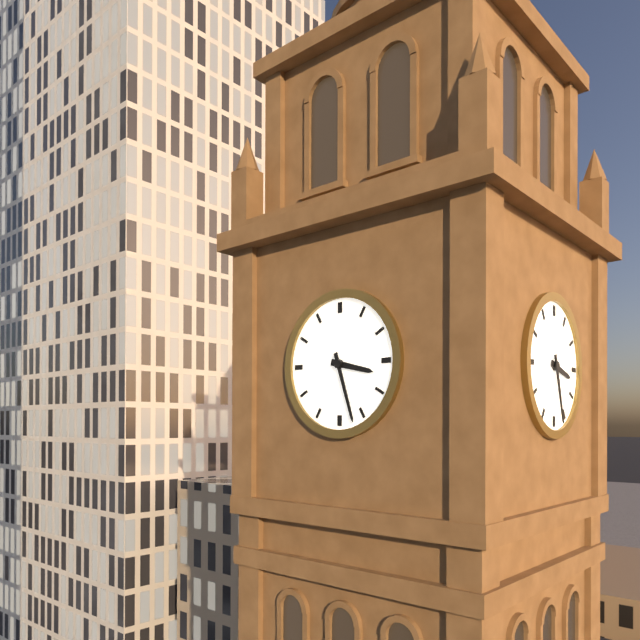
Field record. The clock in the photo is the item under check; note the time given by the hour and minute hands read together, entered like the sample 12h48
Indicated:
3h27
